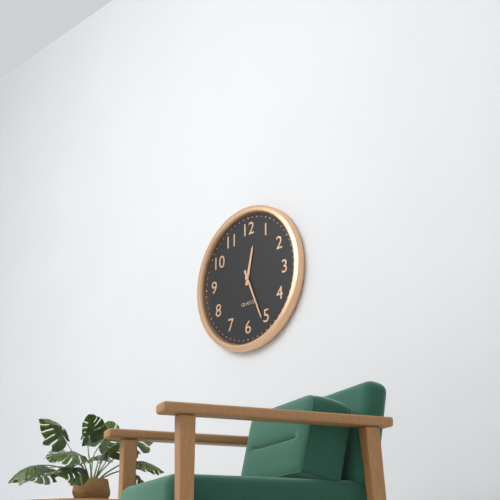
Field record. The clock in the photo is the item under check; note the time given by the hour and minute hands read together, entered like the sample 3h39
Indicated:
12h26
